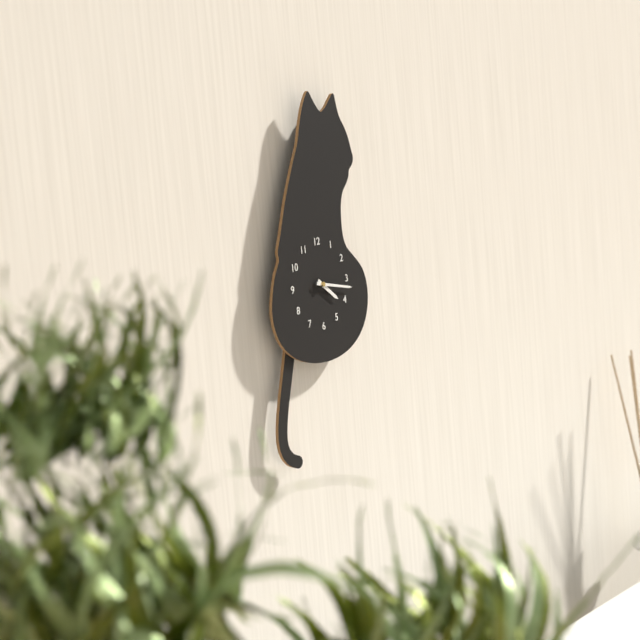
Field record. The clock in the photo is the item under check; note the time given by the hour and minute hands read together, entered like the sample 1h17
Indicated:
4h17
